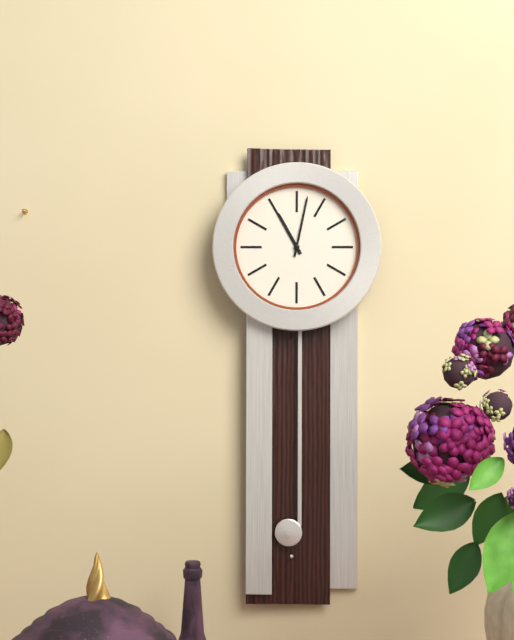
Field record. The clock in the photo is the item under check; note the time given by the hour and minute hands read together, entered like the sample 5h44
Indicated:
11h02
